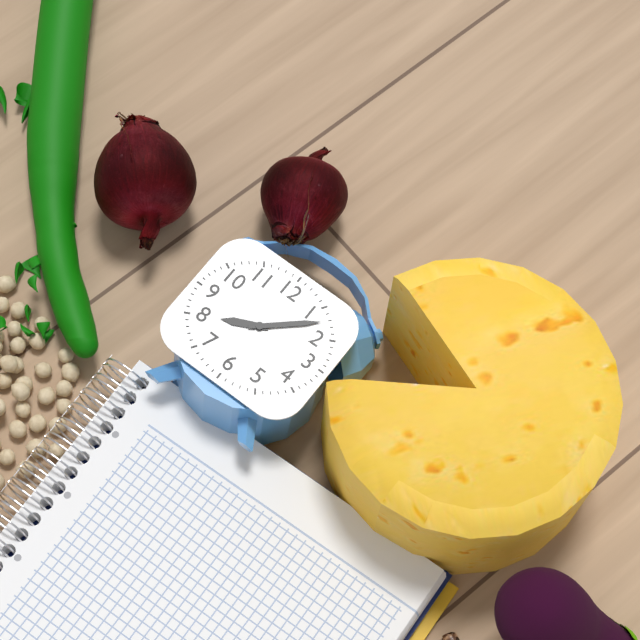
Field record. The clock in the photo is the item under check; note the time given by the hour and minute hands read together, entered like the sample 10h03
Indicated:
8h08
